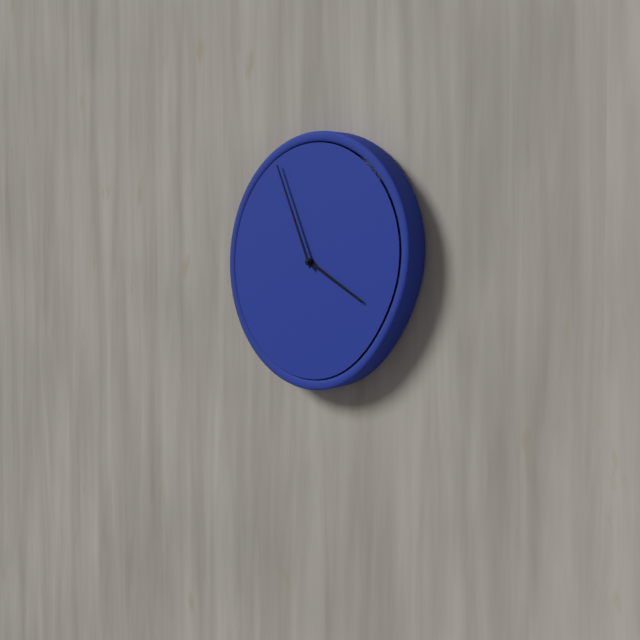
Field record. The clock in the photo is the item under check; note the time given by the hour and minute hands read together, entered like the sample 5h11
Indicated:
3h56
